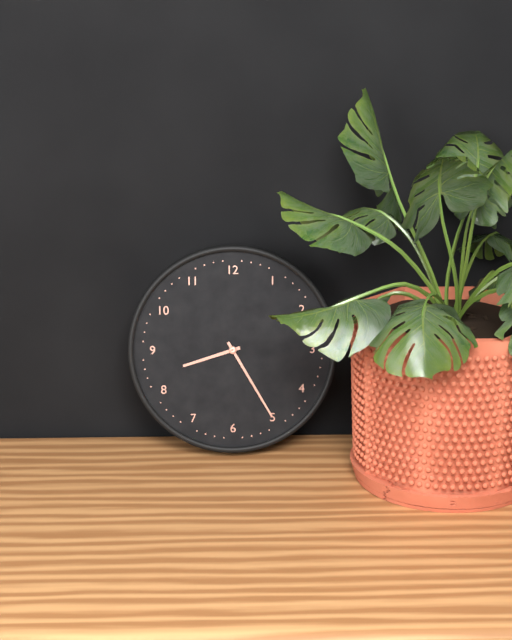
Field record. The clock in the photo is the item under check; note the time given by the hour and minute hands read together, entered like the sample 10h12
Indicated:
8h25
